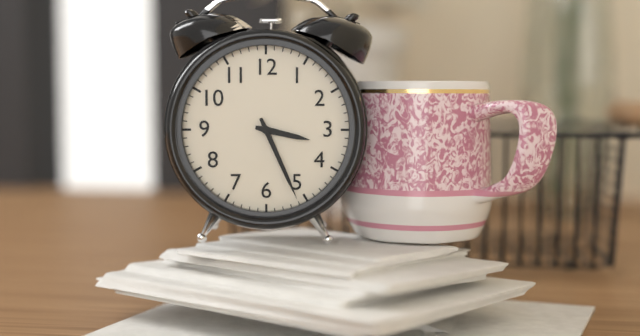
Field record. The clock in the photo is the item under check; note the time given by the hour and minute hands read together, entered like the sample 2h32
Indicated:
3h26
